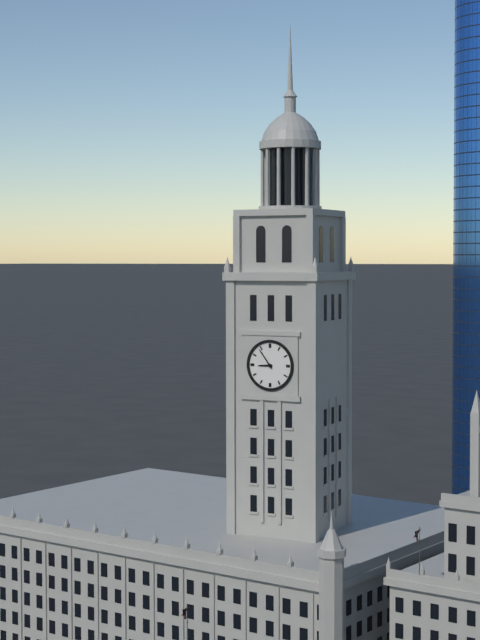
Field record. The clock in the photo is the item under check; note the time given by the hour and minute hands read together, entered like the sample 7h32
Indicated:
8h54
